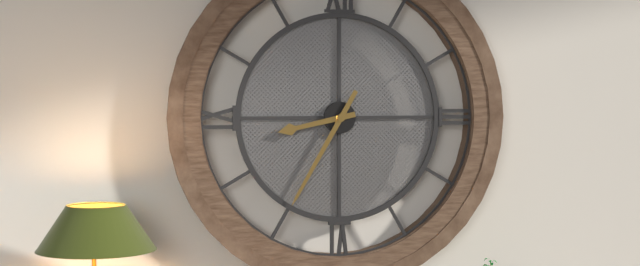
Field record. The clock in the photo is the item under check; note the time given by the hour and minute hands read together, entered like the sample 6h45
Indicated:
8h35
